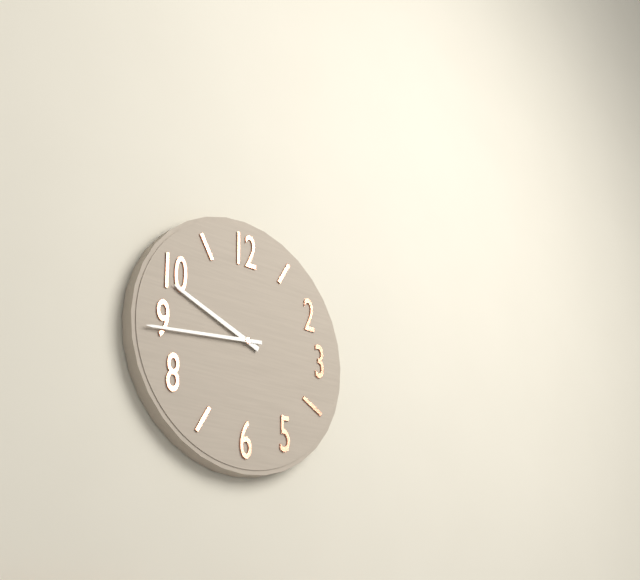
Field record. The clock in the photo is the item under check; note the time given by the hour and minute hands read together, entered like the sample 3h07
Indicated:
9h44
